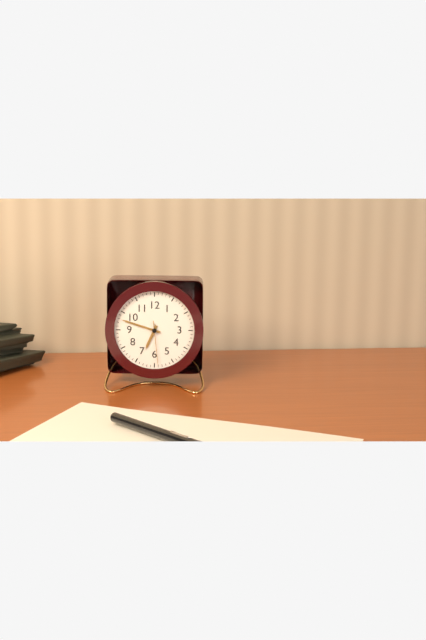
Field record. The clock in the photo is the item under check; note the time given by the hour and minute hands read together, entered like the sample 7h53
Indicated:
6h48
